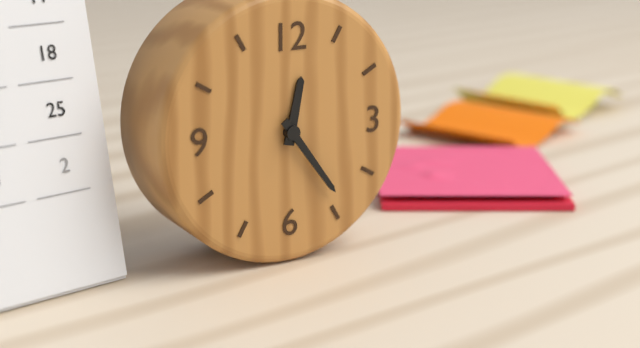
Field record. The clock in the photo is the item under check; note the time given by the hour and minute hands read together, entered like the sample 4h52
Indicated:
12h24
